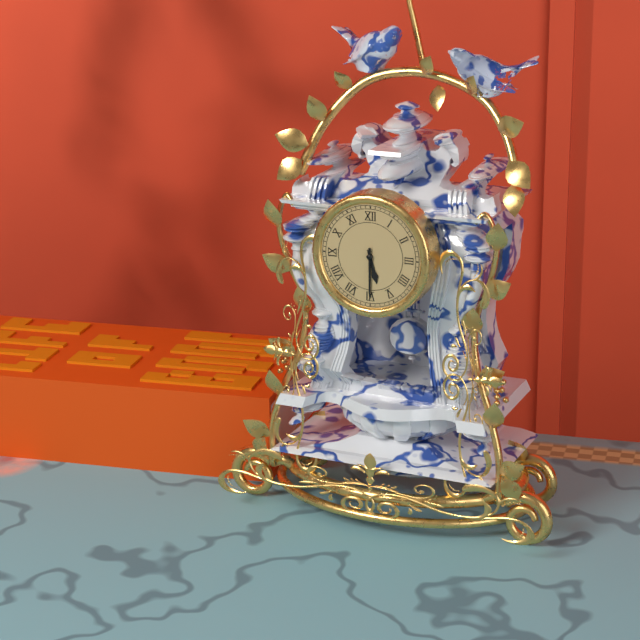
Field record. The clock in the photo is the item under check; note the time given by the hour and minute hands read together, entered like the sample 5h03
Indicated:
5h30
